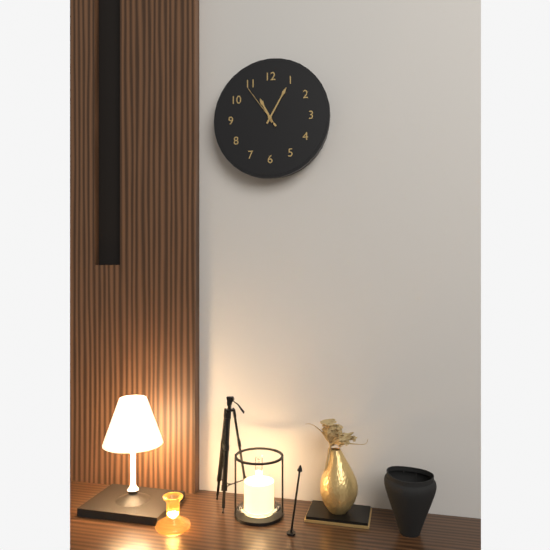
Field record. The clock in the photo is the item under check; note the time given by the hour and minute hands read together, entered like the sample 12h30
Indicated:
11h05
